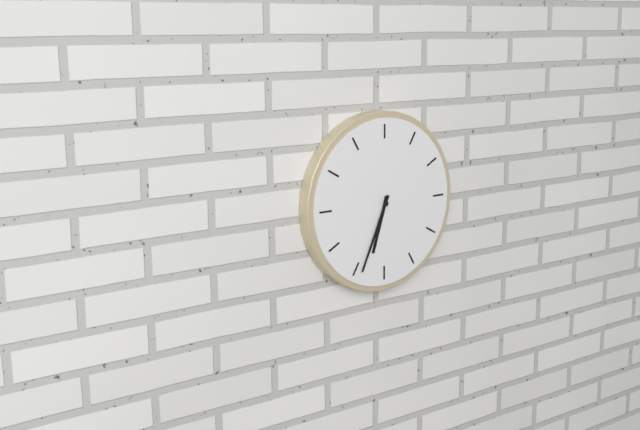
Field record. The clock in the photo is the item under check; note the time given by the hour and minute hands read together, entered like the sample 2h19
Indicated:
6h34
